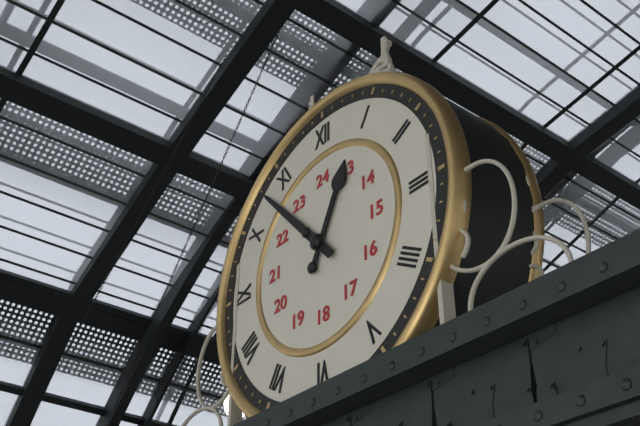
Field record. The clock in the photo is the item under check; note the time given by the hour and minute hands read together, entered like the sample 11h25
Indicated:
12h53
